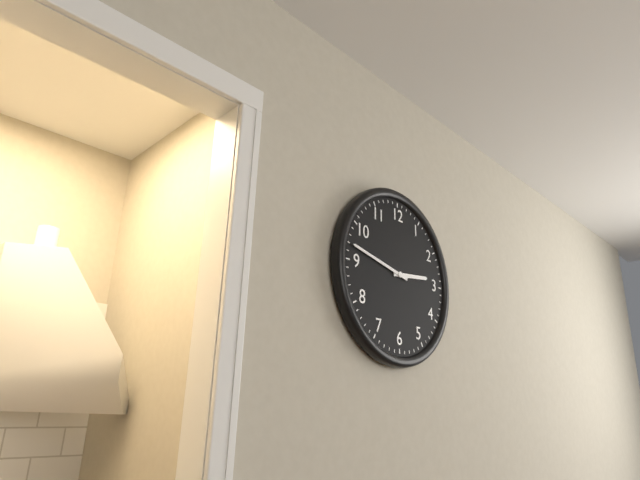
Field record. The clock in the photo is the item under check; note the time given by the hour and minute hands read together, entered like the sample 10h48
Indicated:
2h47
